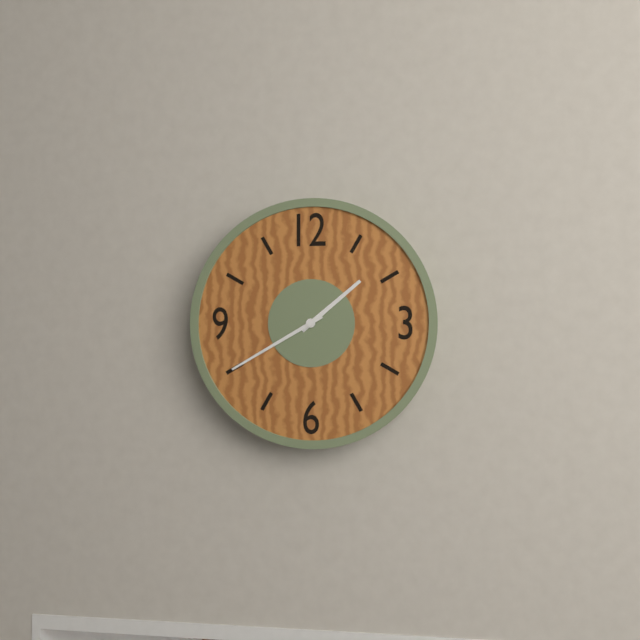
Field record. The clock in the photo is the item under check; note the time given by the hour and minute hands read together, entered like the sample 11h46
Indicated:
1h40
